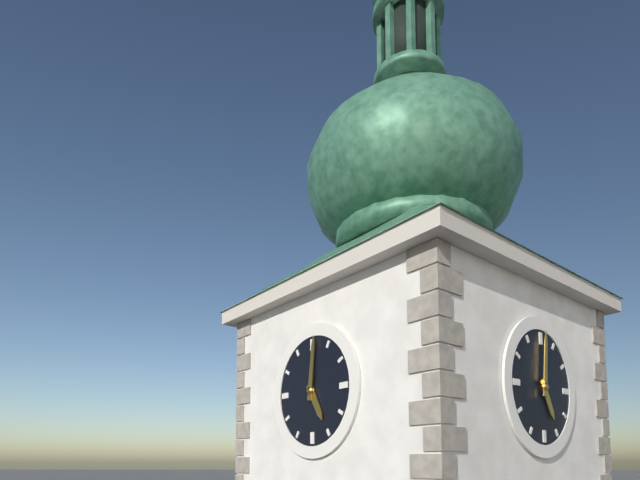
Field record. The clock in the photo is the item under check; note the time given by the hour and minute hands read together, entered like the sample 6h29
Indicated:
5h01
